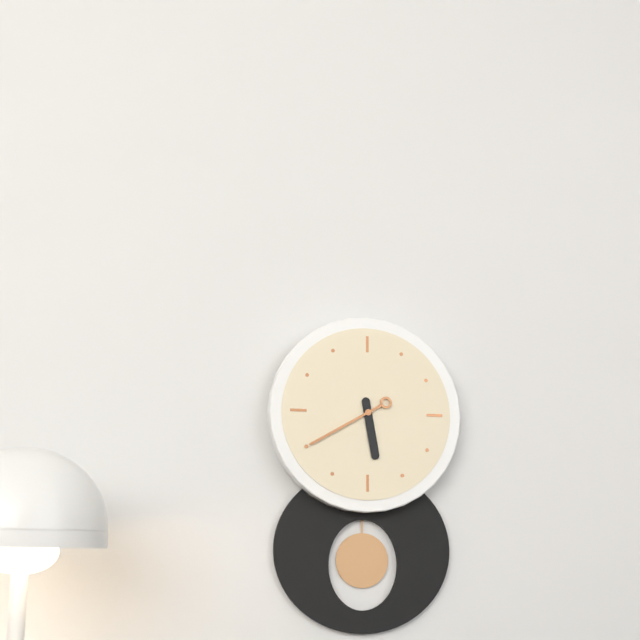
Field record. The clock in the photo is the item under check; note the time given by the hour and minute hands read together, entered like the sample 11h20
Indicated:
5h40
